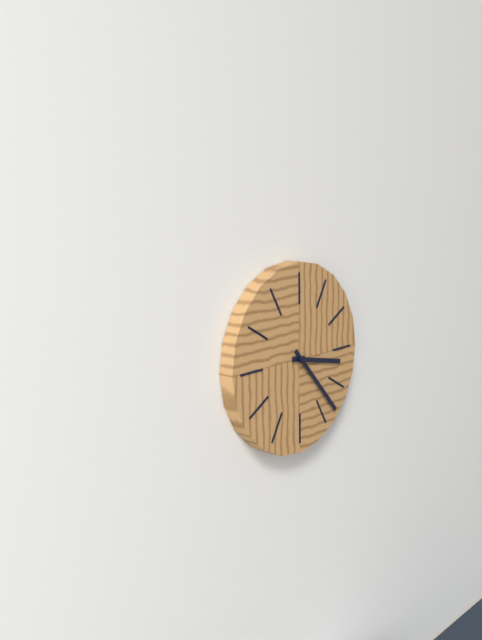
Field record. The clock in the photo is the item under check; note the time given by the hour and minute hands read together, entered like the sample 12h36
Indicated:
3h23
